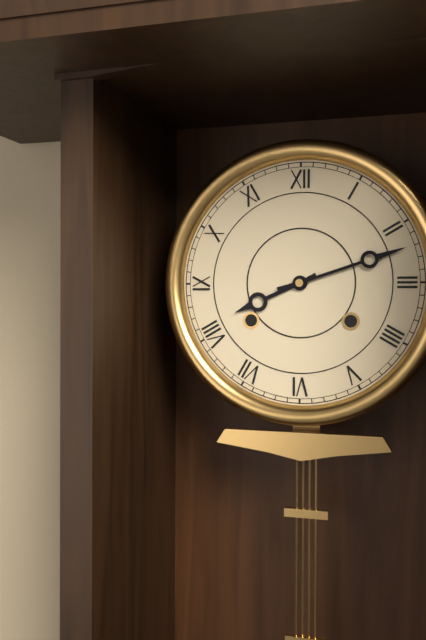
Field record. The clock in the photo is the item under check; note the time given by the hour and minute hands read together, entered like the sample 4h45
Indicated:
8h12
